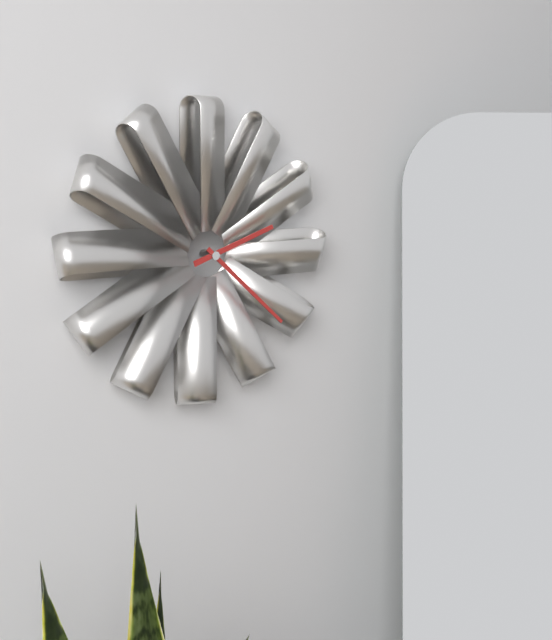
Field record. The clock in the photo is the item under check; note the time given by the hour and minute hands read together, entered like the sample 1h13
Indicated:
2h22
